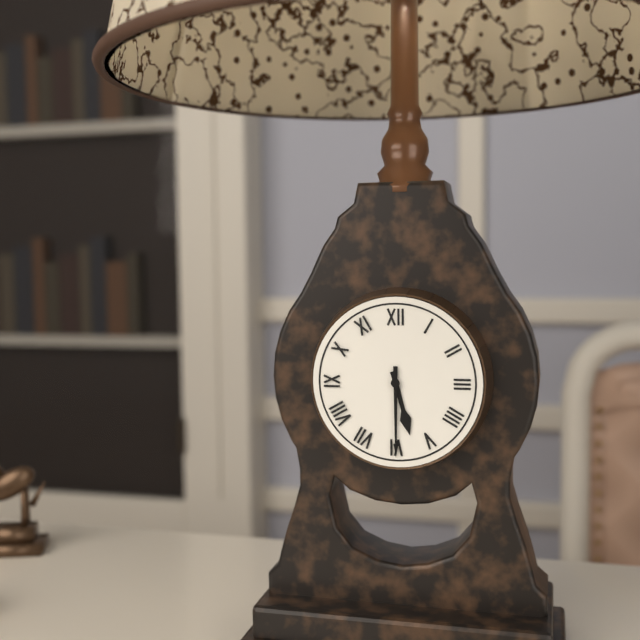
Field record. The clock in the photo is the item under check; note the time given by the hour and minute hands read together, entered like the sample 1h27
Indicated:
5h30
